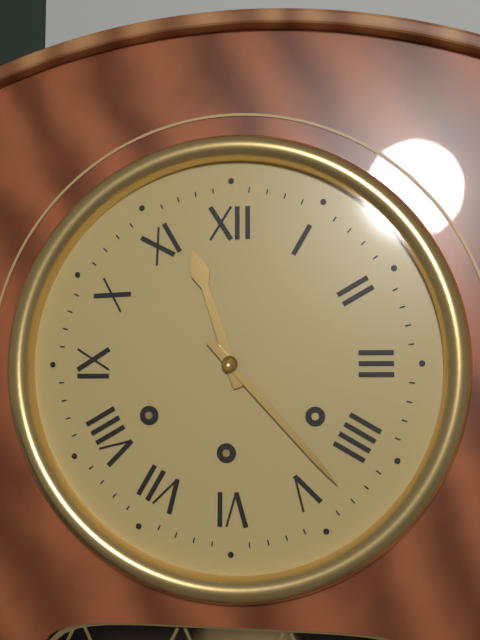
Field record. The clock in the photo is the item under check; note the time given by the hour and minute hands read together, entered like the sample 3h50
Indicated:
11h23
